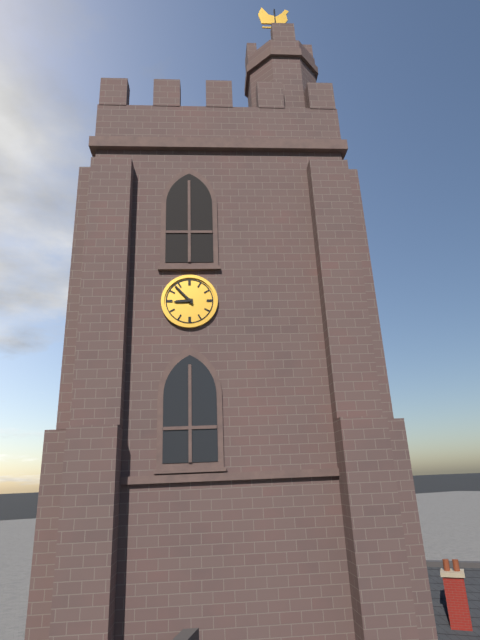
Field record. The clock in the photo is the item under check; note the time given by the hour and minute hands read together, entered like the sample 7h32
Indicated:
8h53
